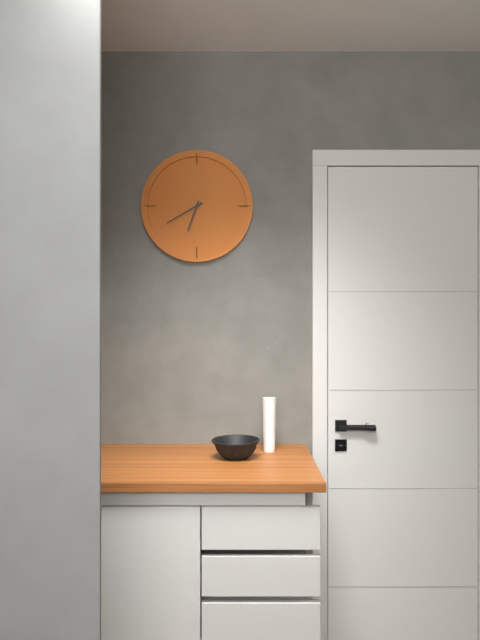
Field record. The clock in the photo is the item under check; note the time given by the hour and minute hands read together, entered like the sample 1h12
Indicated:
6h40
